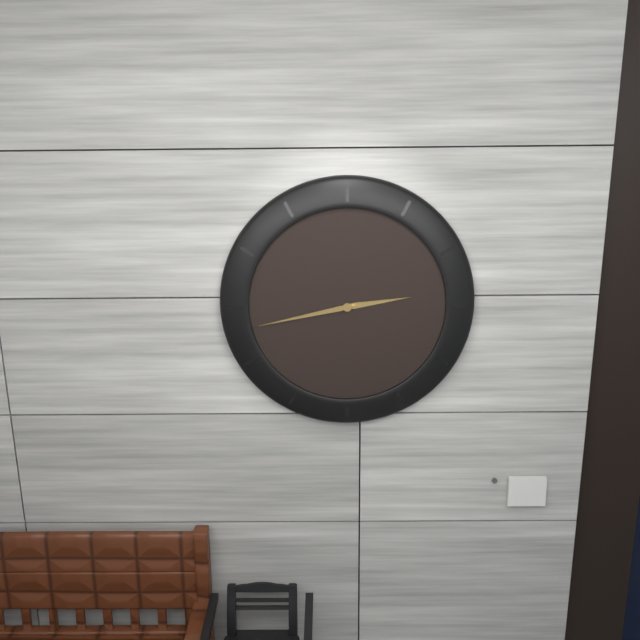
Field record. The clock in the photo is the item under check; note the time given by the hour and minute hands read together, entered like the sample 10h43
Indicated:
2h43
